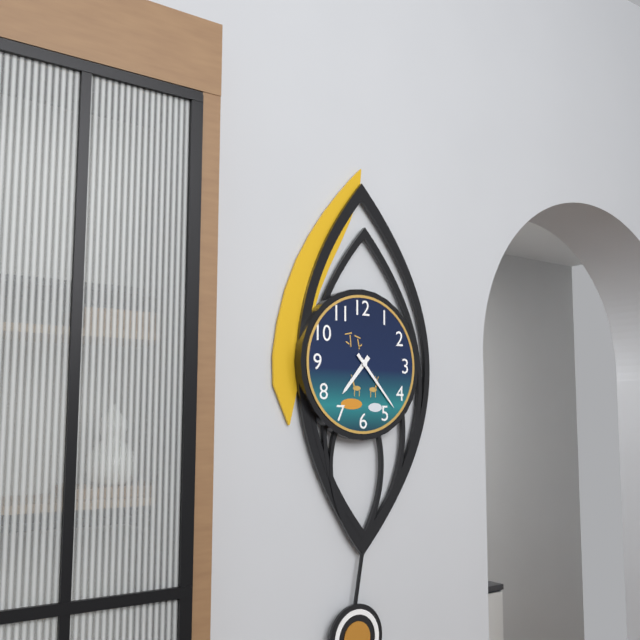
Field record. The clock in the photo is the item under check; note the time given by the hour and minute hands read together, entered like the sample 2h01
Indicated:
7h23
